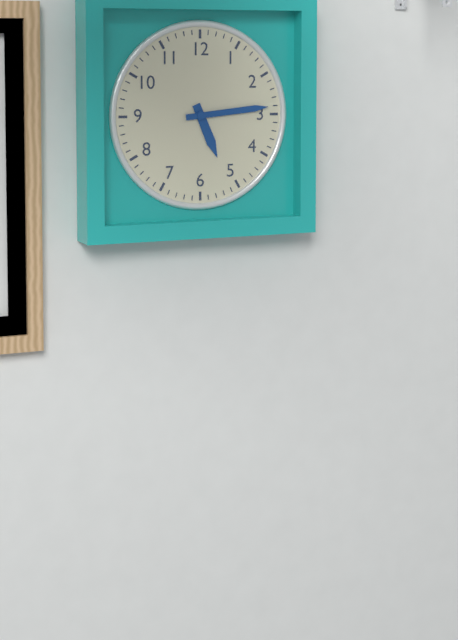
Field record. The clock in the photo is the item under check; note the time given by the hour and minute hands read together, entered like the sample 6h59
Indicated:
5h14
